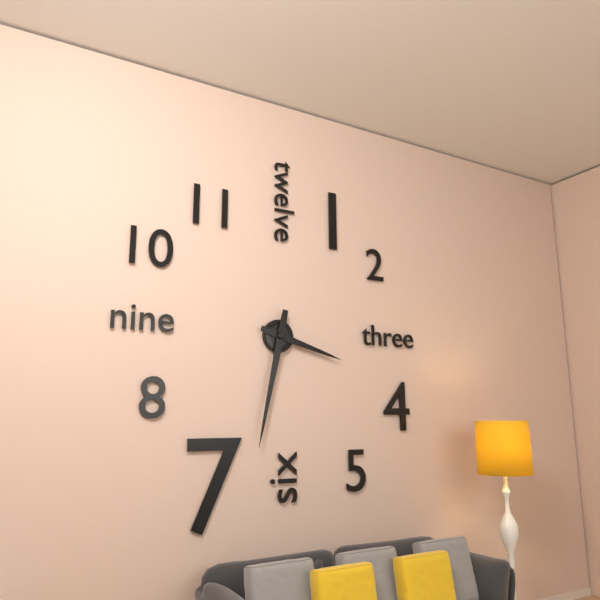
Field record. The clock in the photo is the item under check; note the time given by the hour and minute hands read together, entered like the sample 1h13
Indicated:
3h32
